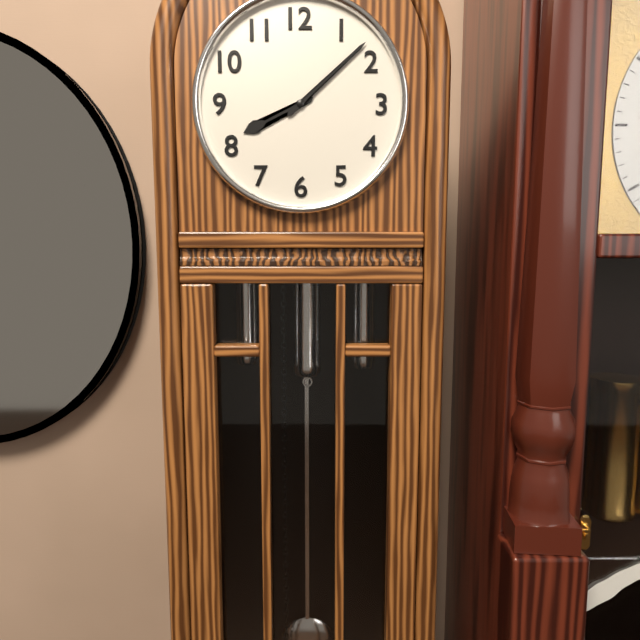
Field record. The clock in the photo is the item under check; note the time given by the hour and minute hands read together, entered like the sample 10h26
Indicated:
8h08
